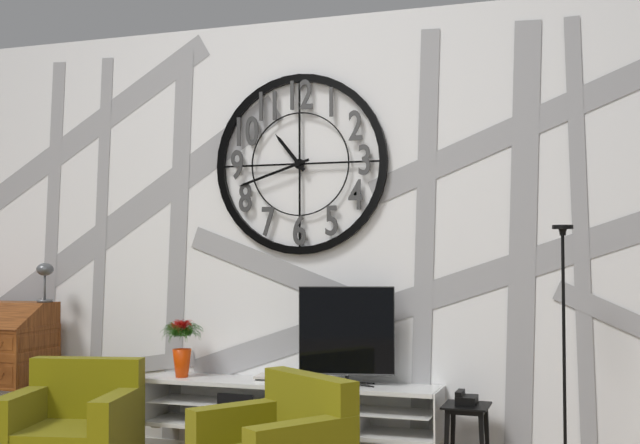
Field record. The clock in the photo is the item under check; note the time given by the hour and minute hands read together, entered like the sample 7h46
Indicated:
10h42
